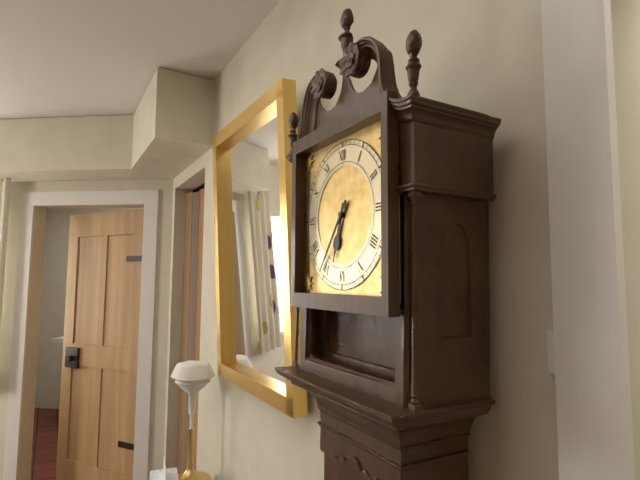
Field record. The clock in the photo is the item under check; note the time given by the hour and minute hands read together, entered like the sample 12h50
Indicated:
6h36
